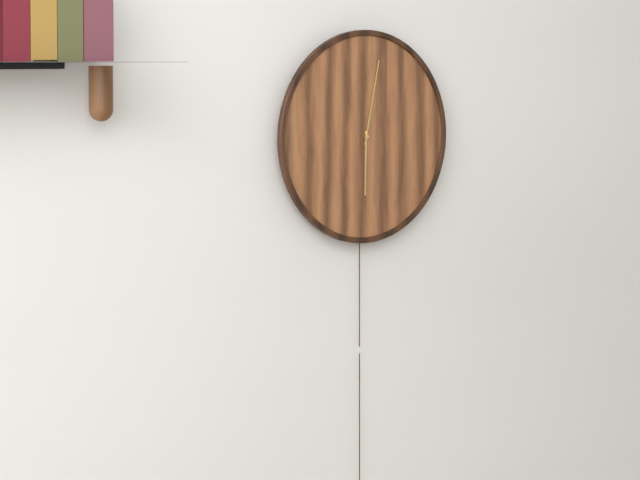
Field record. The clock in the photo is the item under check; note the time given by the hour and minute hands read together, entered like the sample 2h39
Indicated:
6h02
